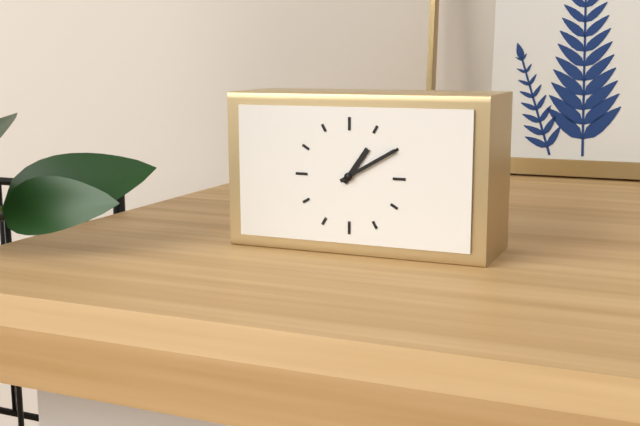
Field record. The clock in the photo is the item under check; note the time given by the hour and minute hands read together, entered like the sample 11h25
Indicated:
1h10
